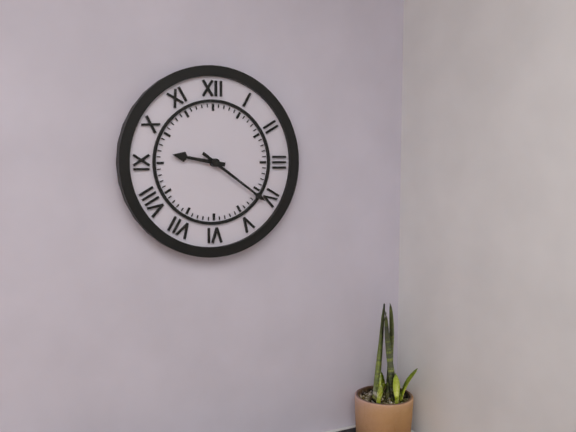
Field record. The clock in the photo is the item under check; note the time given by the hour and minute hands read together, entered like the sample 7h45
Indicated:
9h21
